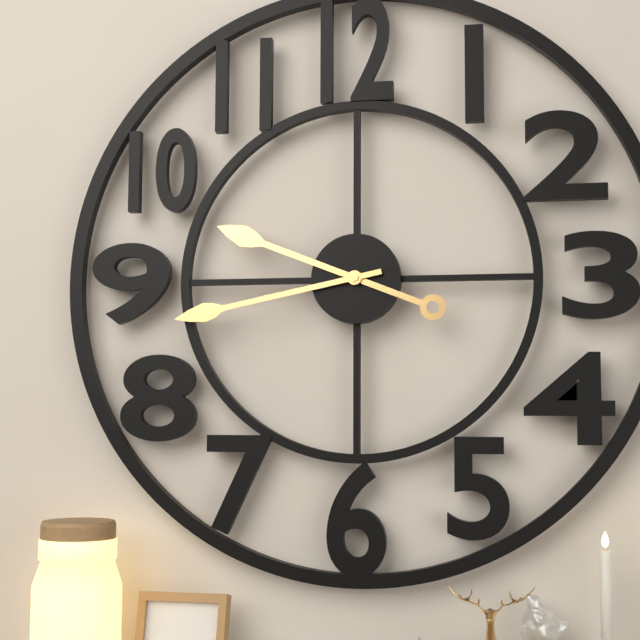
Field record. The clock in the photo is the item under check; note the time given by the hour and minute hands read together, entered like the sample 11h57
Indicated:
9h43
